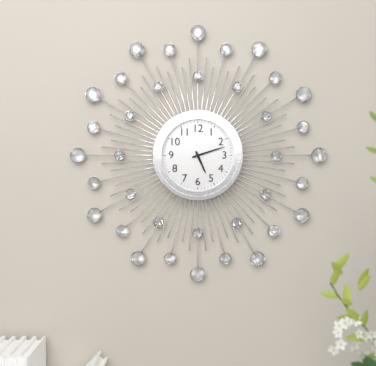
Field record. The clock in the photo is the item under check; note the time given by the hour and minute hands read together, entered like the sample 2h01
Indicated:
5h12
